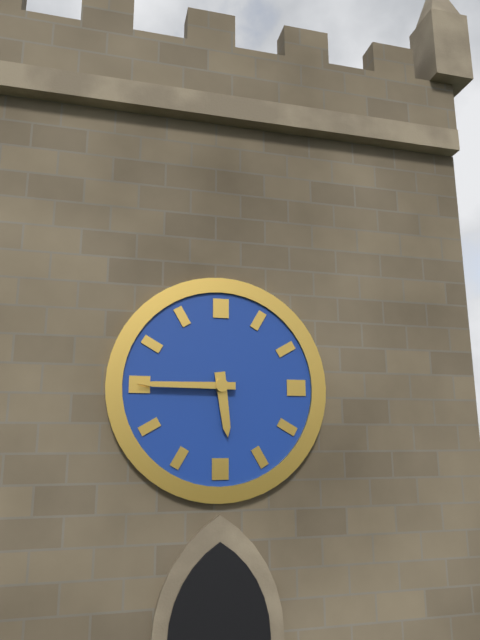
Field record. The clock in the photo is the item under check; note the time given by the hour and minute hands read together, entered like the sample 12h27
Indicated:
5h45
